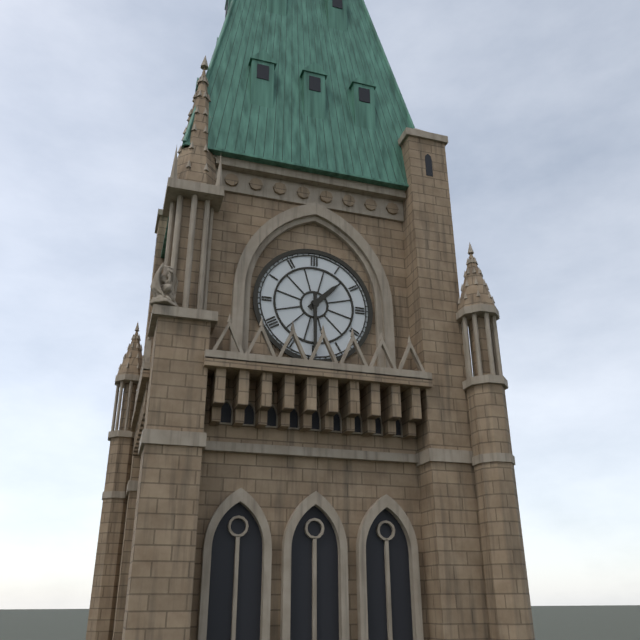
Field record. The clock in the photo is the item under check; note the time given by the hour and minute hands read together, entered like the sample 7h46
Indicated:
1h30
